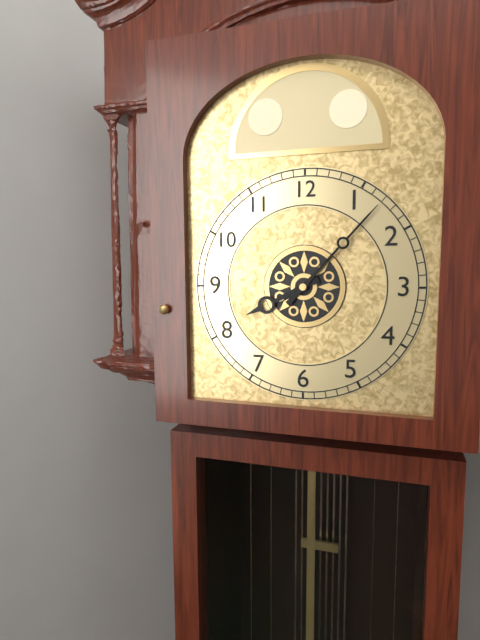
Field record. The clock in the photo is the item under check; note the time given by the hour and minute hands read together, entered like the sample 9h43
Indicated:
8h07
